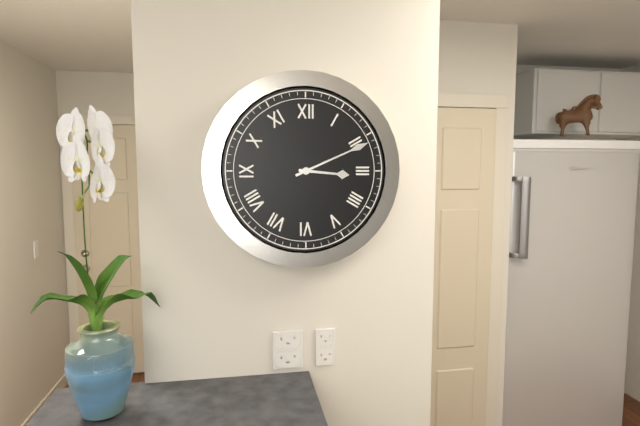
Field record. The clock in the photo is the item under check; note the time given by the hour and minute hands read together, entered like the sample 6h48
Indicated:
3h11
